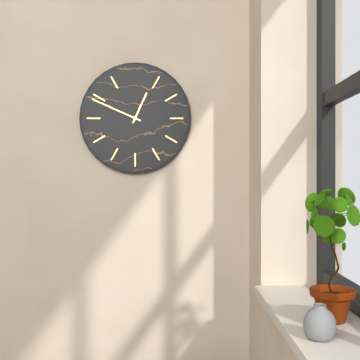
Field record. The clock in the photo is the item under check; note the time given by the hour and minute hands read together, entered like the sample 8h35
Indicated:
12h49
